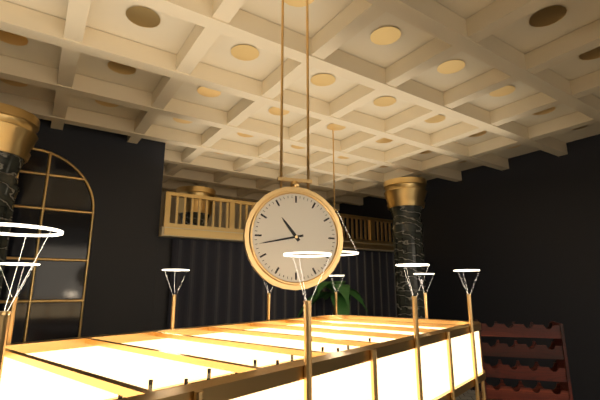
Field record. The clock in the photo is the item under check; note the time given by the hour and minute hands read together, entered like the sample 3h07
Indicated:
10h43
